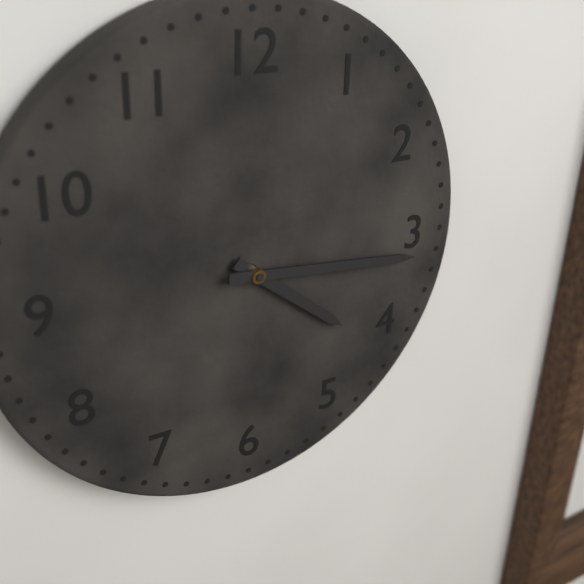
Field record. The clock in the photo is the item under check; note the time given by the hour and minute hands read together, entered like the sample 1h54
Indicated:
4h16
